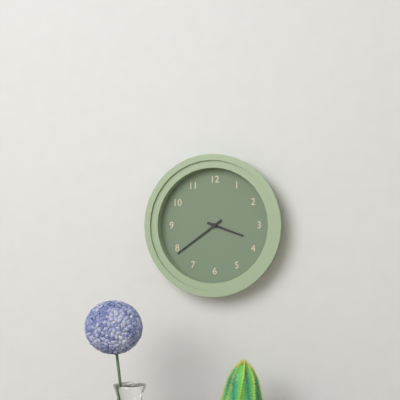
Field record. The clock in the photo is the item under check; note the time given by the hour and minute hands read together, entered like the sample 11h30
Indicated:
3h39
